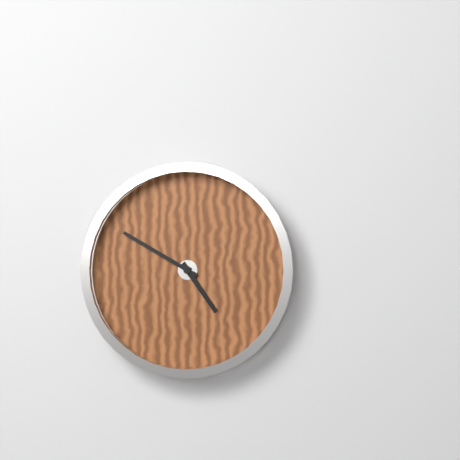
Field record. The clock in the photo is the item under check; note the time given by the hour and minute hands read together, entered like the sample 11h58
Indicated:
4h50
